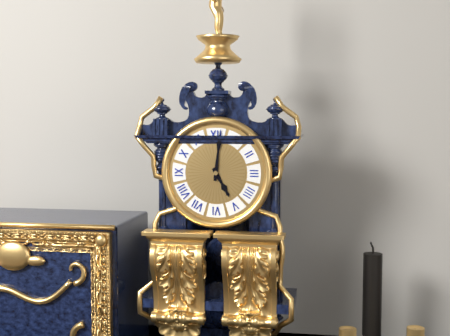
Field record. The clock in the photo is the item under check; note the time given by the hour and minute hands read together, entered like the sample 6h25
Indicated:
5h01
